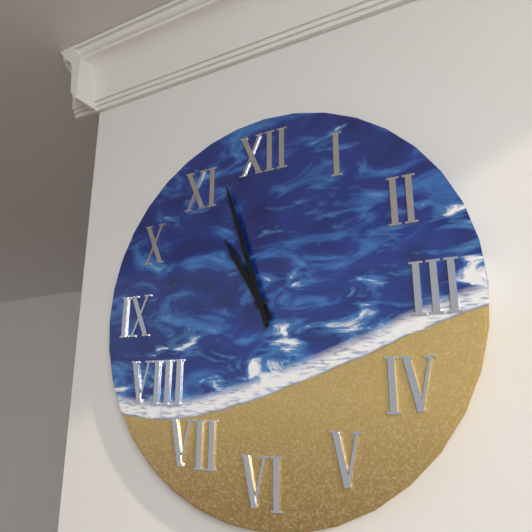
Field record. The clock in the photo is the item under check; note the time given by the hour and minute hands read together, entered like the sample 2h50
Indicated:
10h57
